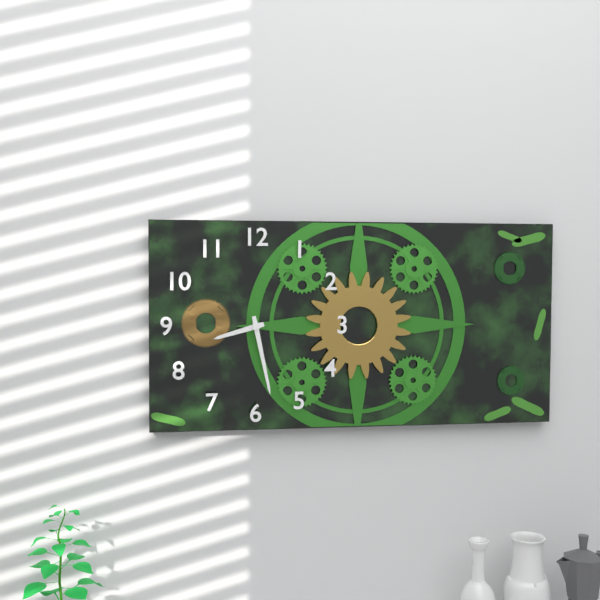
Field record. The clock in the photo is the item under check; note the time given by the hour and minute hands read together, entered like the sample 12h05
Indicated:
8h28
